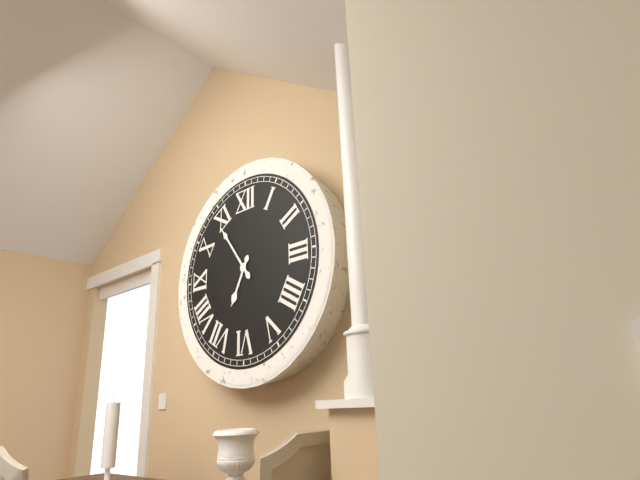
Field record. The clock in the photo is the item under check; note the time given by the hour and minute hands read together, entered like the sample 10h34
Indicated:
6h54
